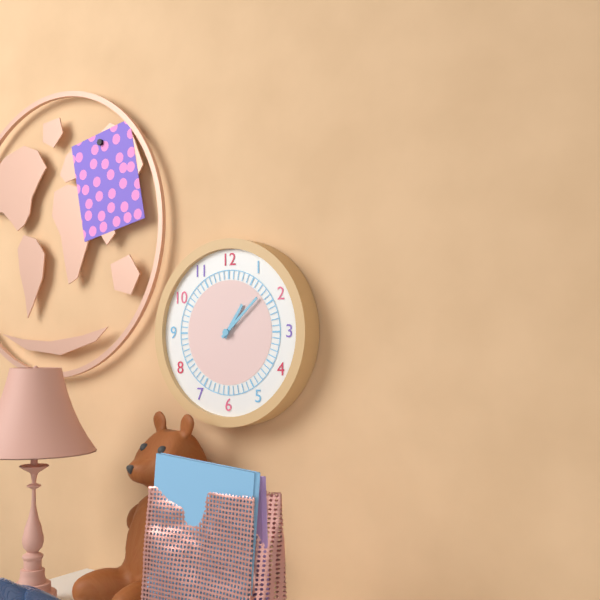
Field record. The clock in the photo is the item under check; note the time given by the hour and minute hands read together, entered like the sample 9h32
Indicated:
1h08
